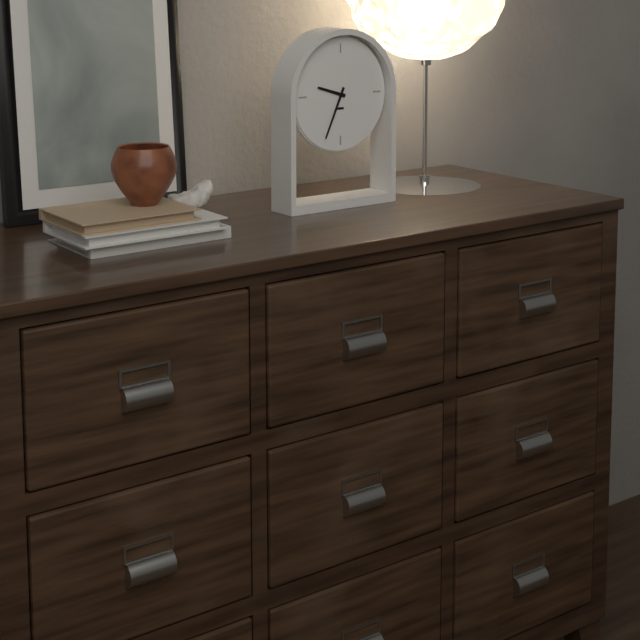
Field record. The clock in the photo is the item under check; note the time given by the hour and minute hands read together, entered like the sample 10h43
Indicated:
9h34
